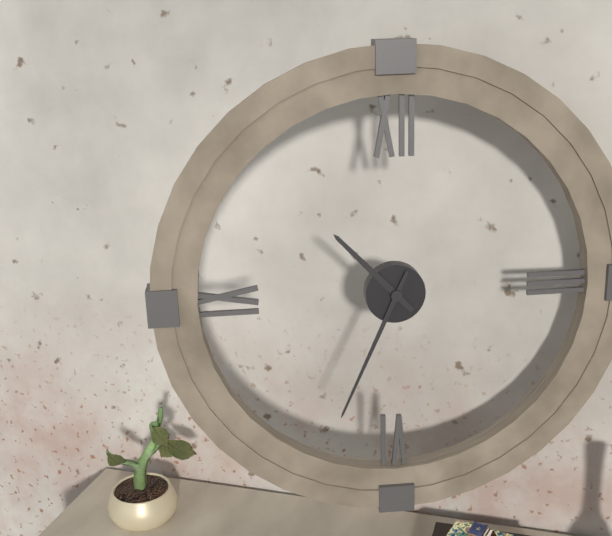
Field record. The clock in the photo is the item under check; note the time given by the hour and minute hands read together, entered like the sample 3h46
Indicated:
10h34
